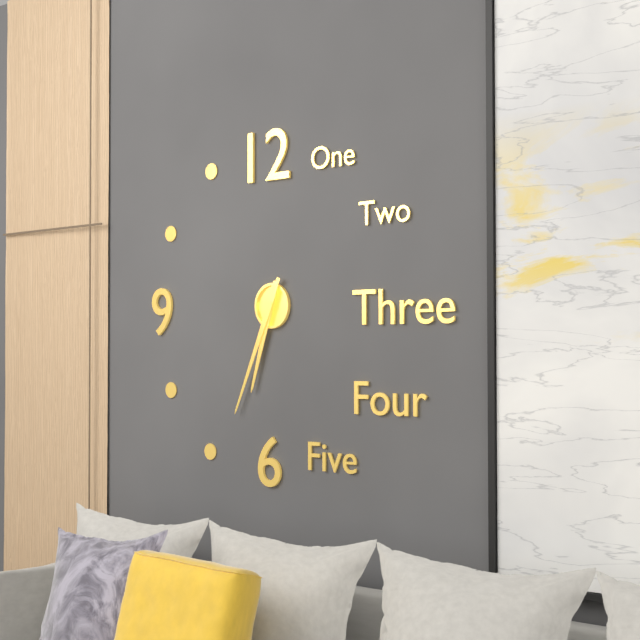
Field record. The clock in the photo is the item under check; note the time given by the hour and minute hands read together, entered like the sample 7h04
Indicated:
6h34
